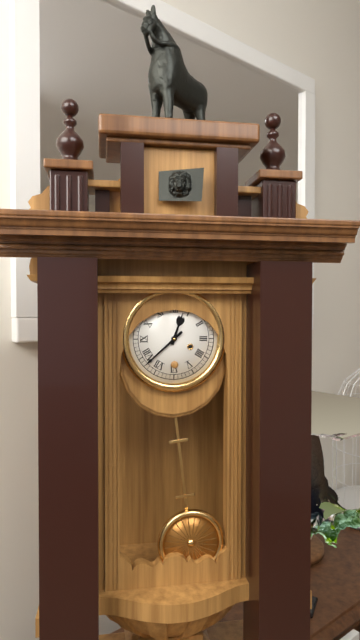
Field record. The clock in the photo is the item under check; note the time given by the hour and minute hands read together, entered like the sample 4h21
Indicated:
12h38
